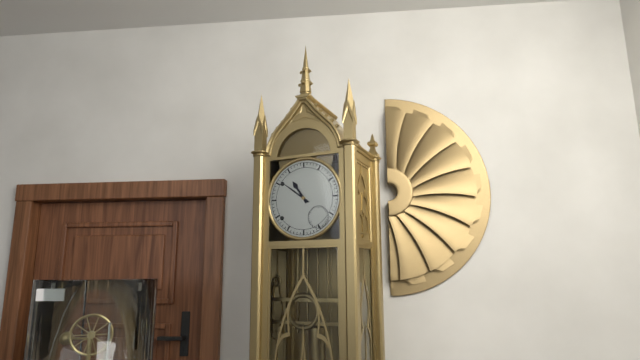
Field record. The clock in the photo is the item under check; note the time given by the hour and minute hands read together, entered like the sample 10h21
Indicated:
10h51
